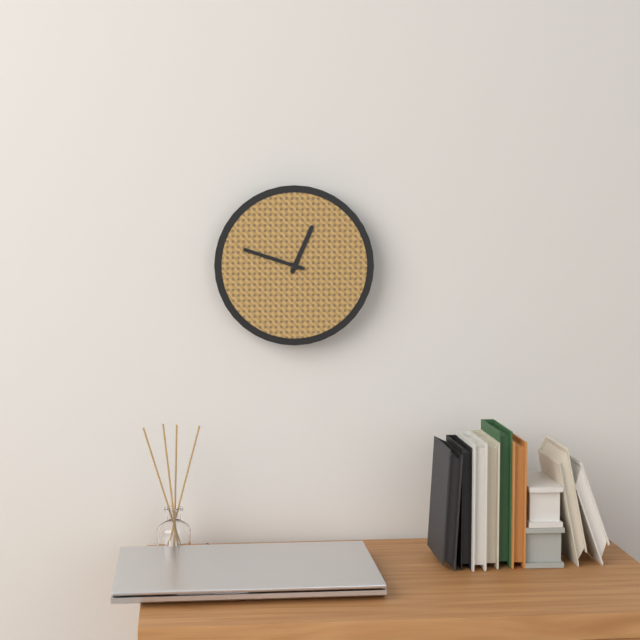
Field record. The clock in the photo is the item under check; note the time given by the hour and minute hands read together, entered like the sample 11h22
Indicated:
12h48
